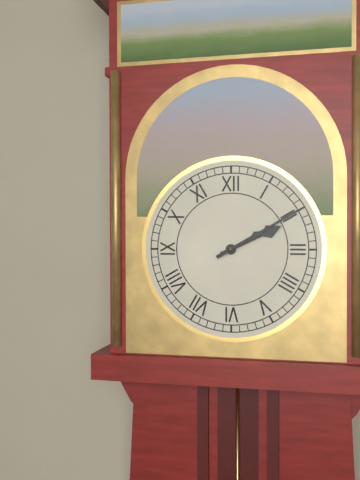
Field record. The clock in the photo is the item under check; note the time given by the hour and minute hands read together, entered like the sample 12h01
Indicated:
2h10
